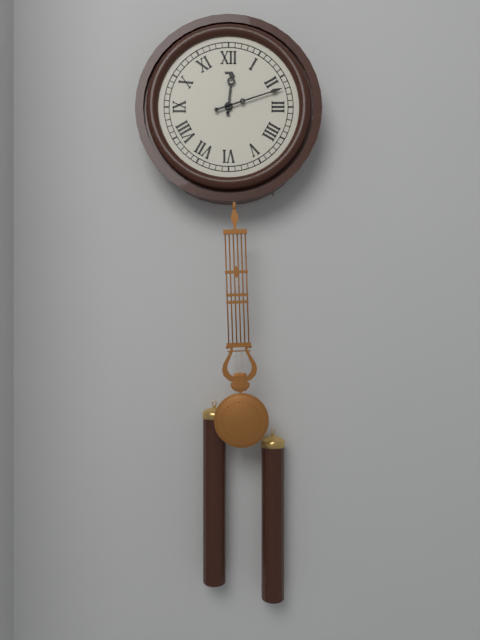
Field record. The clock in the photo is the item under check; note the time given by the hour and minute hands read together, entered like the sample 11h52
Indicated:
12h12
